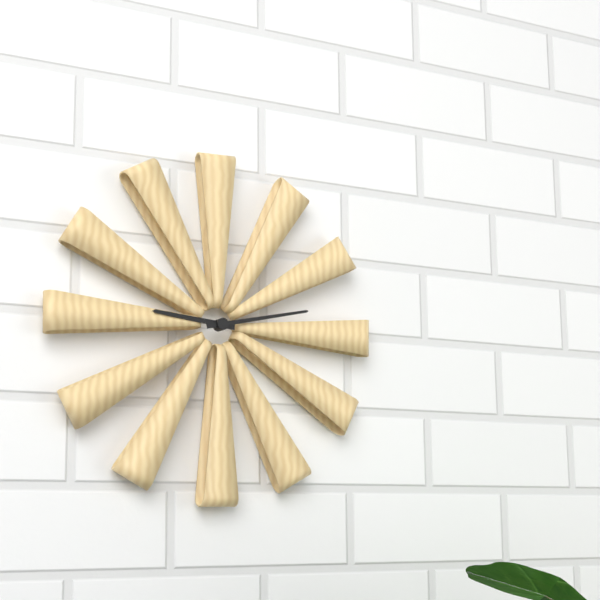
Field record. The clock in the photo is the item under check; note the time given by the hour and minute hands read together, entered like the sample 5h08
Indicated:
9h13
